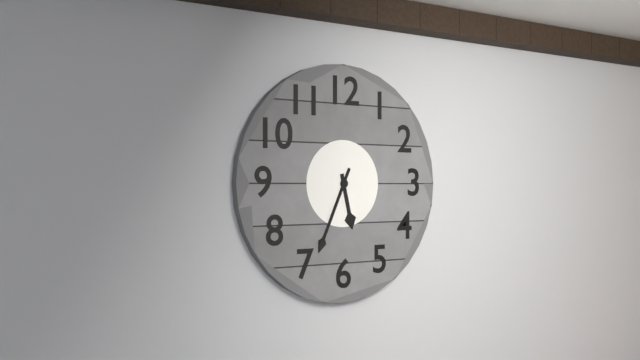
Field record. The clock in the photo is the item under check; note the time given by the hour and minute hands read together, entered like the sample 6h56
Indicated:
5h34
